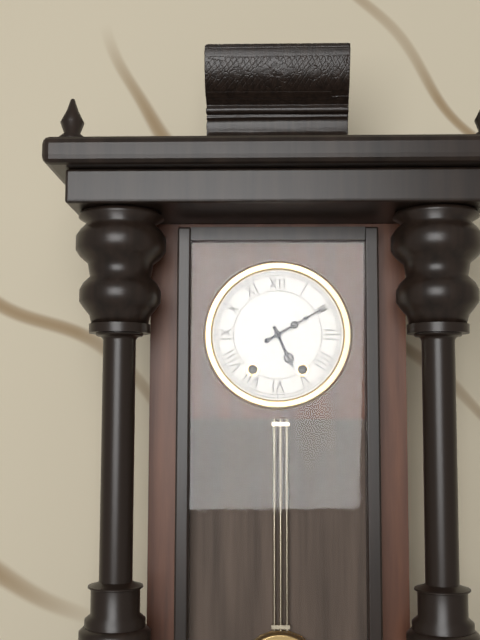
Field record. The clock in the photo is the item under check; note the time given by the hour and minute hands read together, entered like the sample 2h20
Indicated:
5h10
